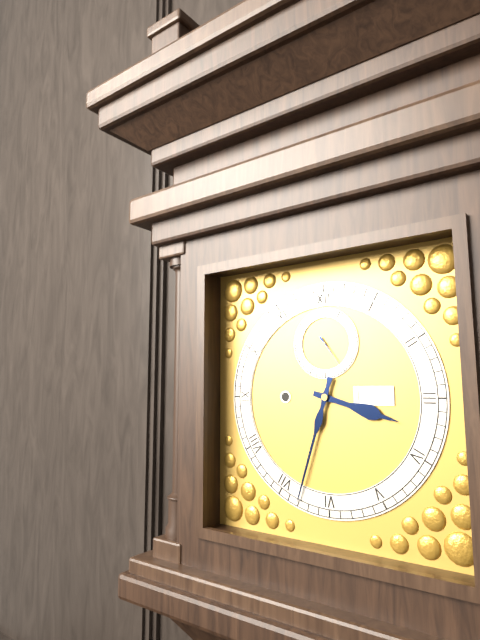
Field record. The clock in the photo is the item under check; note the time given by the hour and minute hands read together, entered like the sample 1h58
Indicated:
3h33
